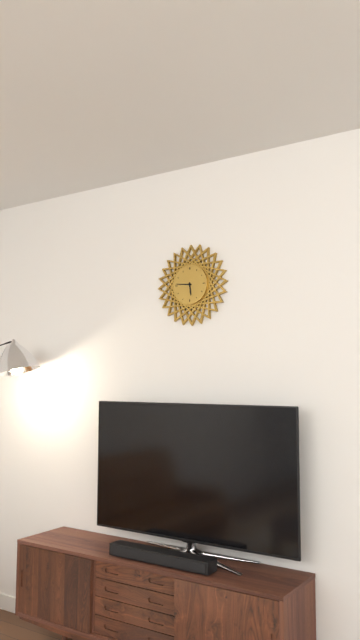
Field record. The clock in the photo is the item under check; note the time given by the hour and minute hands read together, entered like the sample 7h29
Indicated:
5h46
